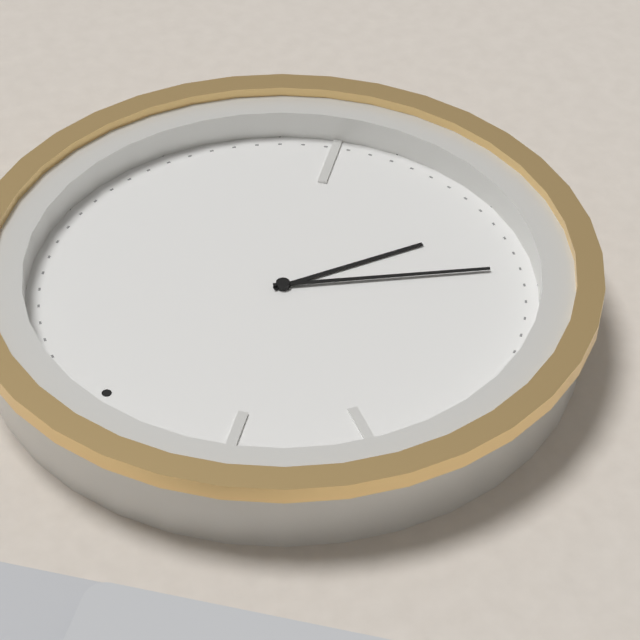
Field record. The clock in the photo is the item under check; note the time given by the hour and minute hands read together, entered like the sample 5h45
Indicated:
6h36
